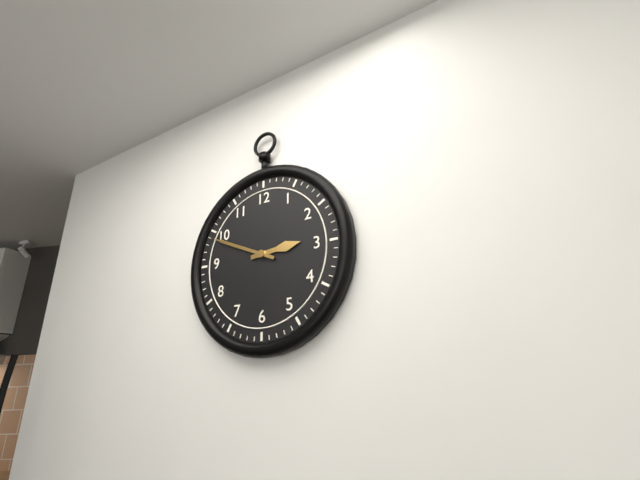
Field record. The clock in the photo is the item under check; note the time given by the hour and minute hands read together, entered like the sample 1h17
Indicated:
2h49
